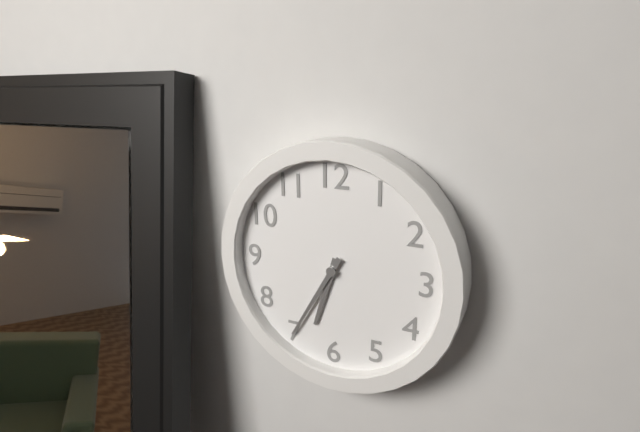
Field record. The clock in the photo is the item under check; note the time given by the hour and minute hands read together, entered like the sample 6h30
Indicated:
6h35
